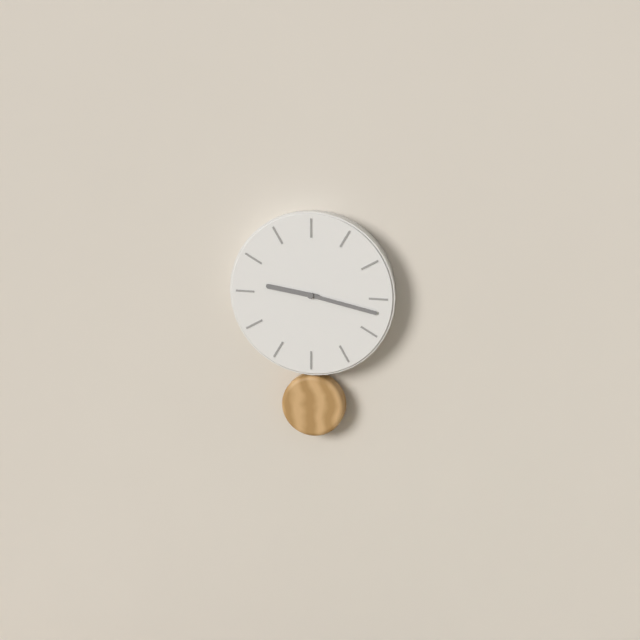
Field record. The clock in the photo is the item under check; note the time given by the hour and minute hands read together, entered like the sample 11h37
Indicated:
9h17
